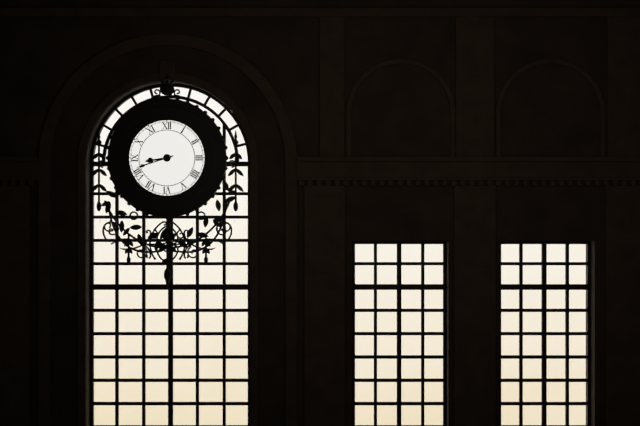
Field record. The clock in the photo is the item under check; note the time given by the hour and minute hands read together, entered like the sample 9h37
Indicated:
8h42
